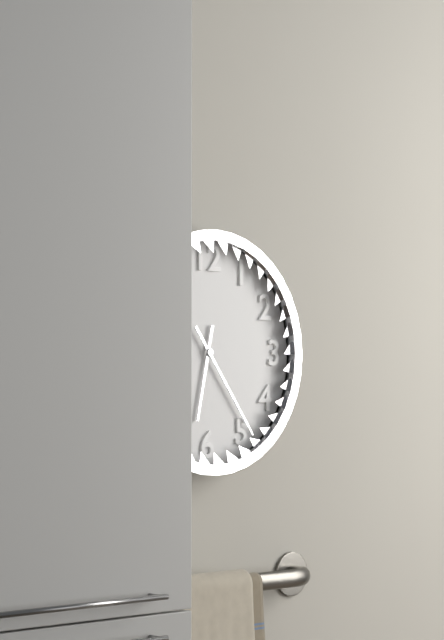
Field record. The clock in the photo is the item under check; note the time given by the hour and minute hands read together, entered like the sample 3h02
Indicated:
6h24
